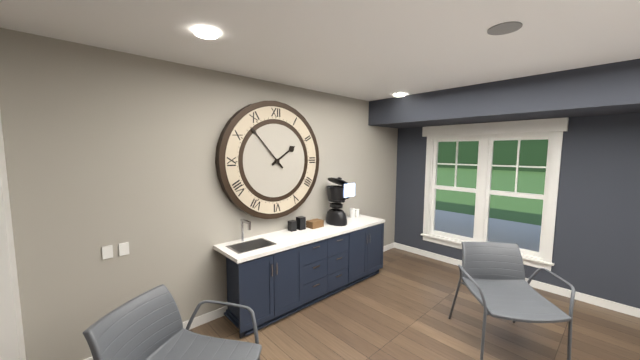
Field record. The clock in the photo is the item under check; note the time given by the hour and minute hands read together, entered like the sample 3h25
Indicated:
1h53
